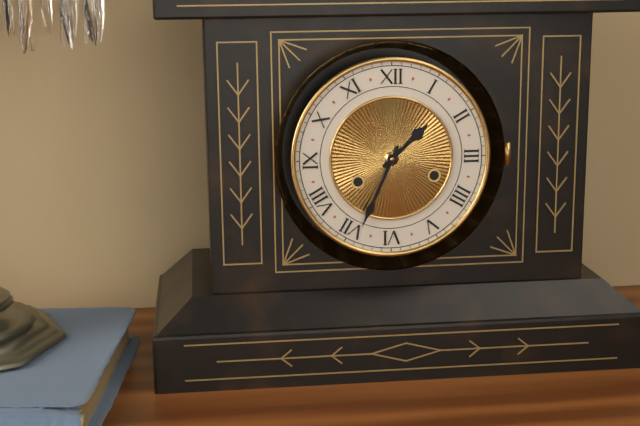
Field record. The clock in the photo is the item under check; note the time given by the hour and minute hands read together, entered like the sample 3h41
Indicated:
1h34
